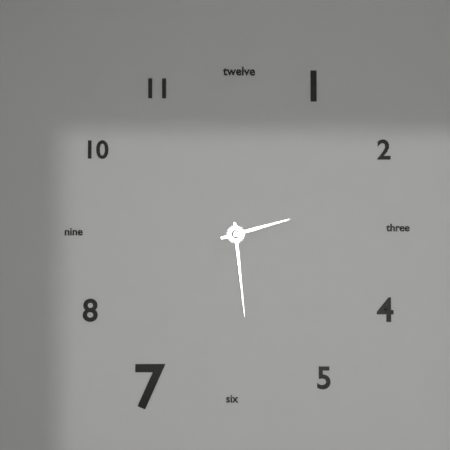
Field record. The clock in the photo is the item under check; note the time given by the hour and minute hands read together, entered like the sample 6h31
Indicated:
2h29
